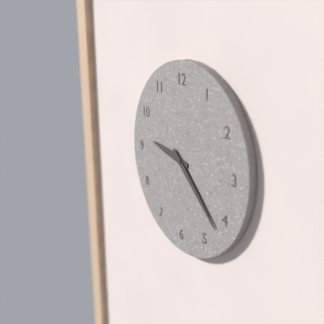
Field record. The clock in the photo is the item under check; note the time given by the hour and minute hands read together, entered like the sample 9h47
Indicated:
9h22
